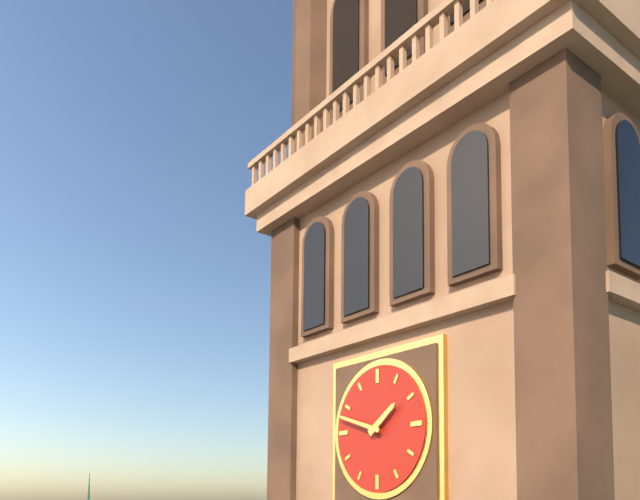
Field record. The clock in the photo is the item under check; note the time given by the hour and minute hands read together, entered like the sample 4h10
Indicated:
1h48
